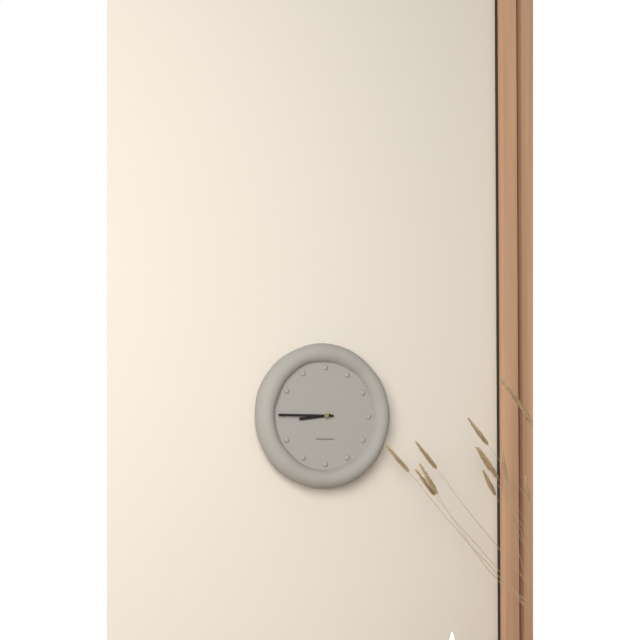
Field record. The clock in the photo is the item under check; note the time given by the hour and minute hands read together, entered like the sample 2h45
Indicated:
8h45
